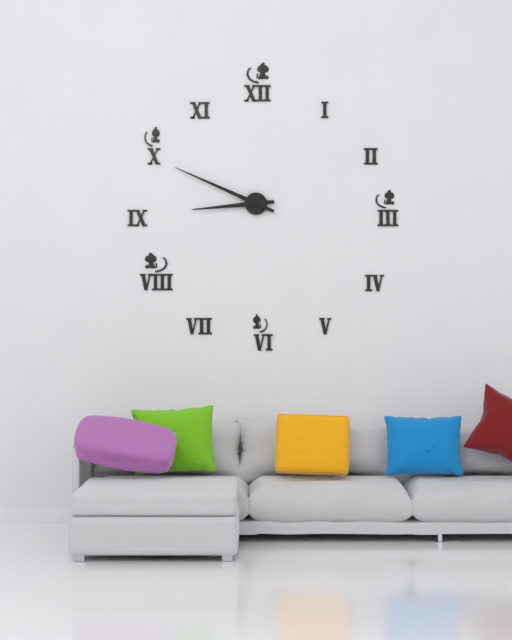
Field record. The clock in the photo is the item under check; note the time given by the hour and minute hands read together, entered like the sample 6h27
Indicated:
8h49
